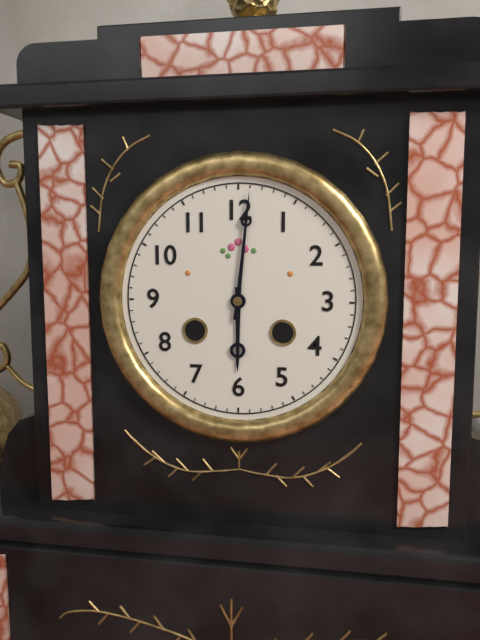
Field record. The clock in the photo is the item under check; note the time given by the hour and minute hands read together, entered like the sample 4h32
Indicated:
6h01
